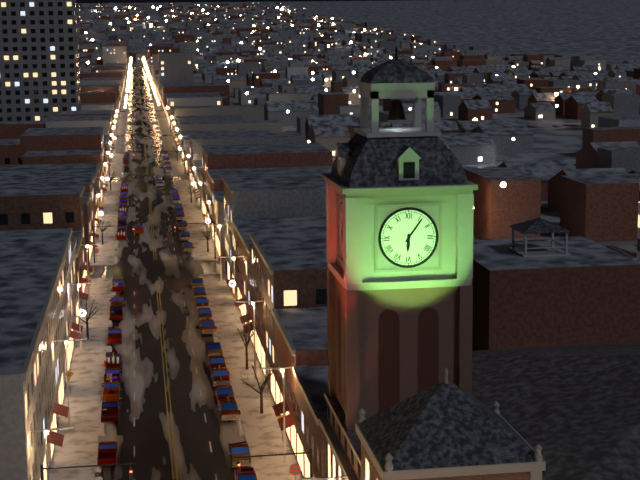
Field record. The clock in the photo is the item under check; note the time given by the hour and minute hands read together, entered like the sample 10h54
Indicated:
6h06
